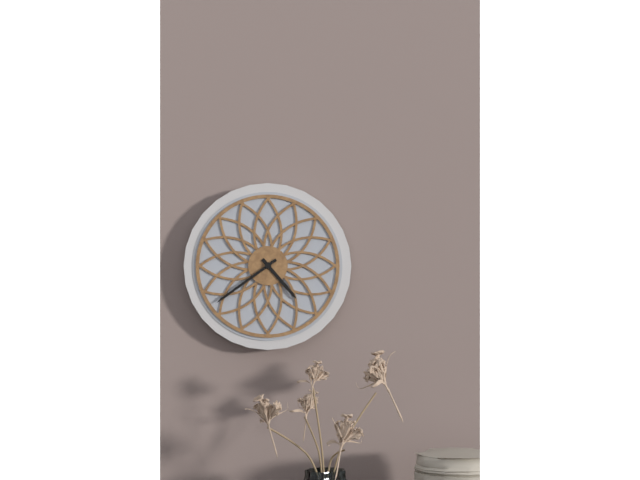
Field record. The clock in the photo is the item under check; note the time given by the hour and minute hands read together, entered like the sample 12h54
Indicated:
4h39
